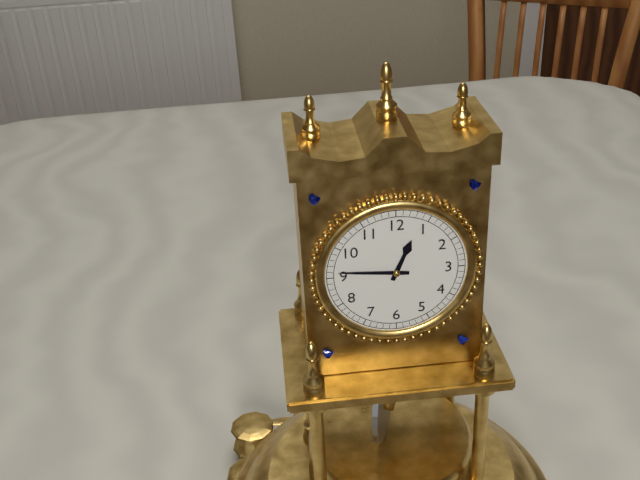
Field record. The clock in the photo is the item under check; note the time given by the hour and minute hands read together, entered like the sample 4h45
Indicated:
12h46
